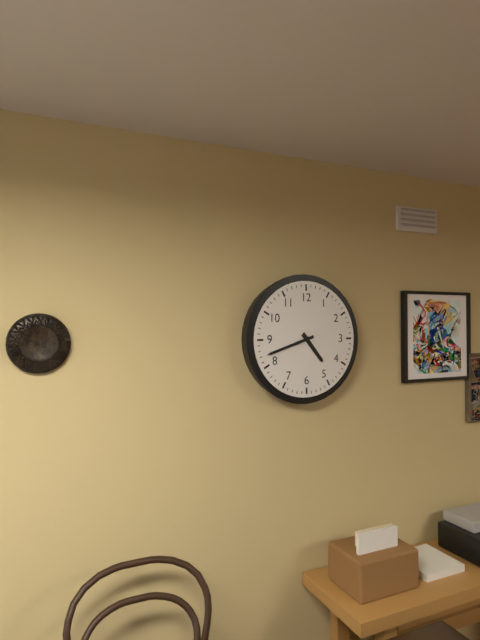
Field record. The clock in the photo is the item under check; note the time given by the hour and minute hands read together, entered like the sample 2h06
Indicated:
4h42
